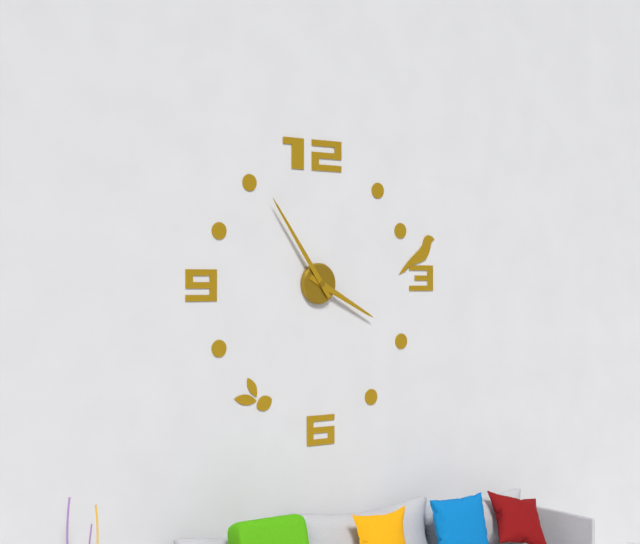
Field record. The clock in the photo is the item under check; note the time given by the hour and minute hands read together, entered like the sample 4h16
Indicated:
3h54
